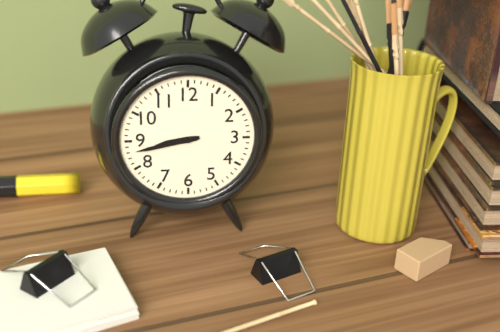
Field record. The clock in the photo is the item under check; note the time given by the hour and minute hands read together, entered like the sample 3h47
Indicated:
8h43
